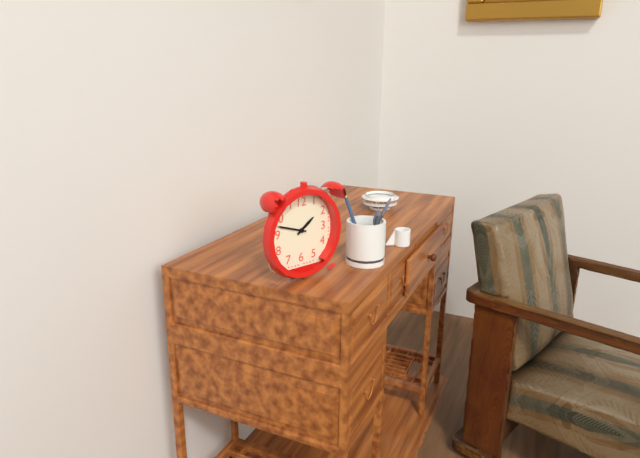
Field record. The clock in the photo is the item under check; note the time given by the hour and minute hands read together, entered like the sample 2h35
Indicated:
1h48
